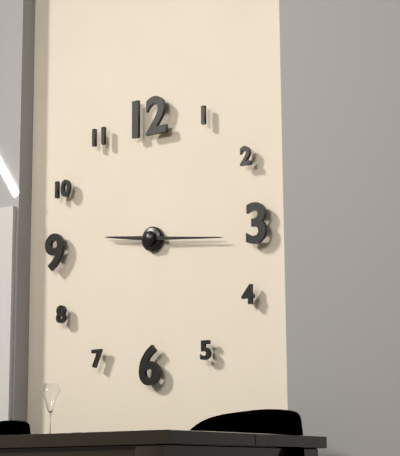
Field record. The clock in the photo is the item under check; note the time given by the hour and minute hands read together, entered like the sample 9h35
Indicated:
9h16
